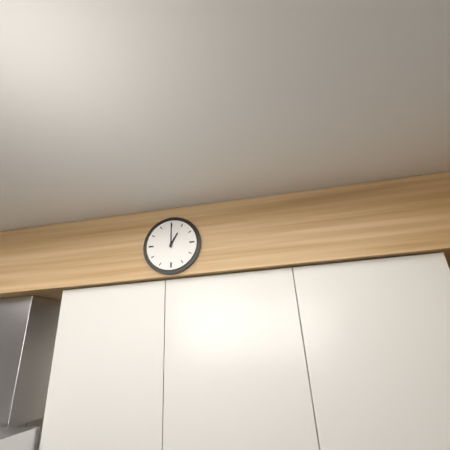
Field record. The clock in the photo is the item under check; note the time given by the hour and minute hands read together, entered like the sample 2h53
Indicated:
1h00
